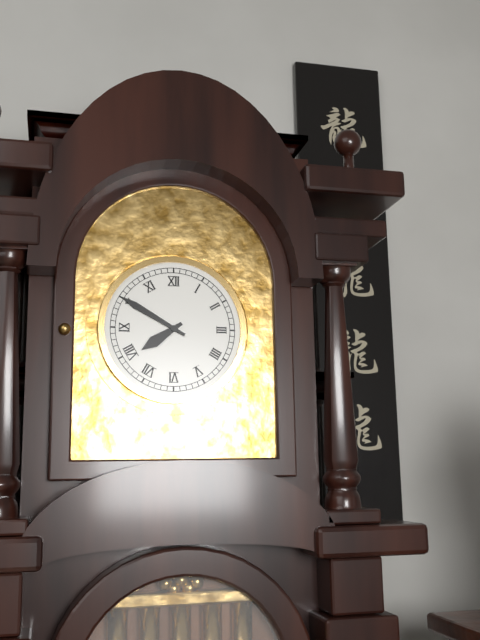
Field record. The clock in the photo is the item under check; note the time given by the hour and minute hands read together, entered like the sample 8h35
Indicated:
7h50
